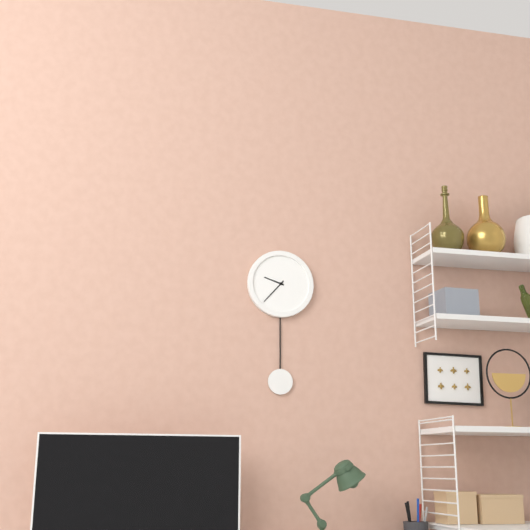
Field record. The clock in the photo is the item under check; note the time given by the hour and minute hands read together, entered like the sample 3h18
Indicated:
9h37
